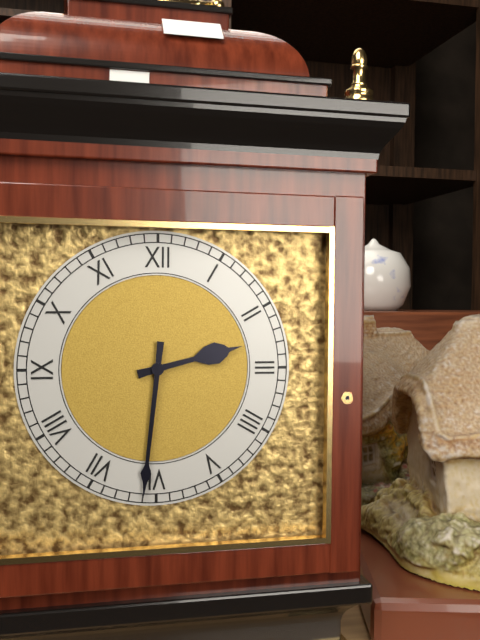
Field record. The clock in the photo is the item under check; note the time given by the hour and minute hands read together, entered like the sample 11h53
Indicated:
2h31
